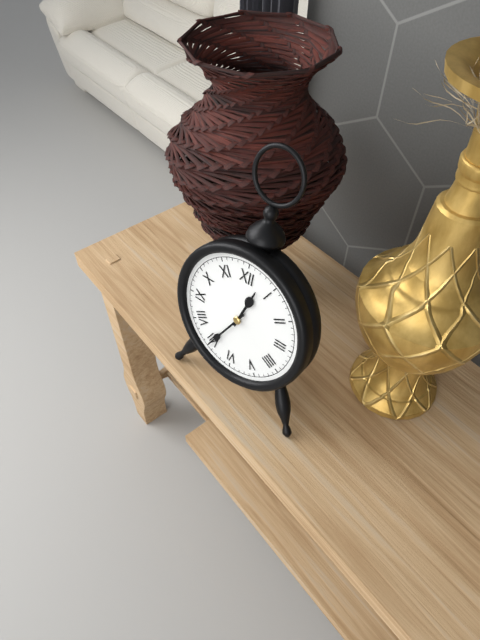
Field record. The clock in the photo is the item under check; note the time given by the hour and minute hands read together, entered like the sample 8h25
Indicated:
12h35
